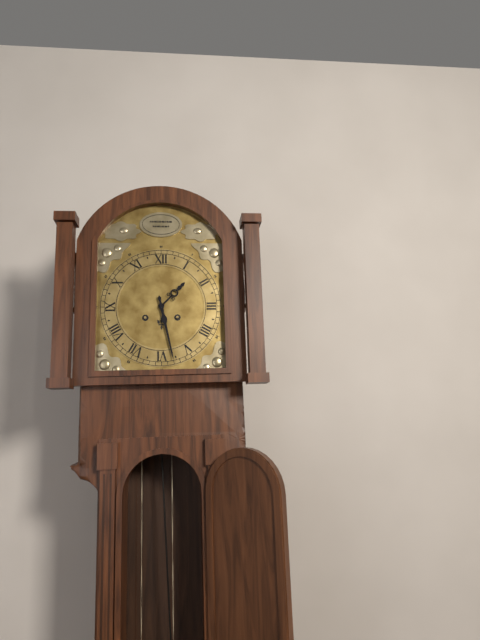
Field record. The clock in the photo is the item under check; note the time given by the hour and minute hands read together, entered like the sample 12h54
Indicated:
1h28
